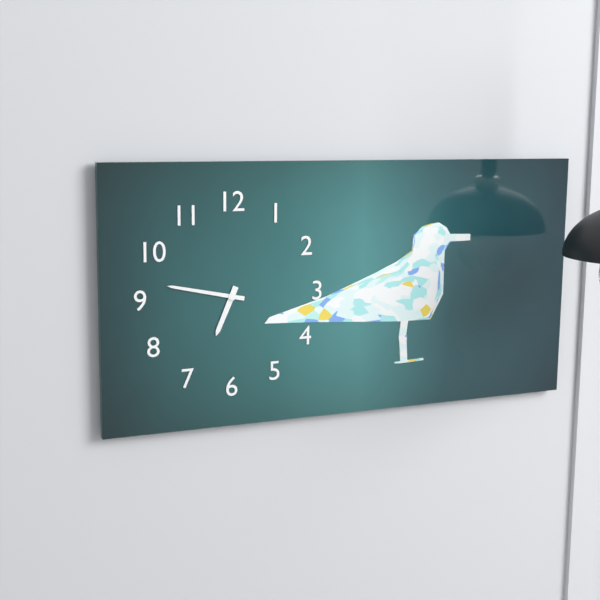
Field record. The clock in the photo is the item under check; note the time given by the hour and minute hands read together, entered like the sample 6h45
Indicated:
6h47
